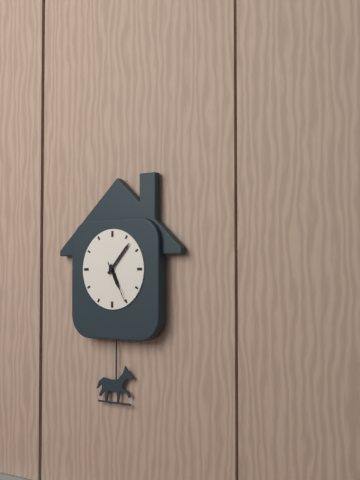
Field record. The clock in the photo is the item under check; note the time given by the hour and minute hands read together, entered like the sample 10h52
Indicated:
5h07
